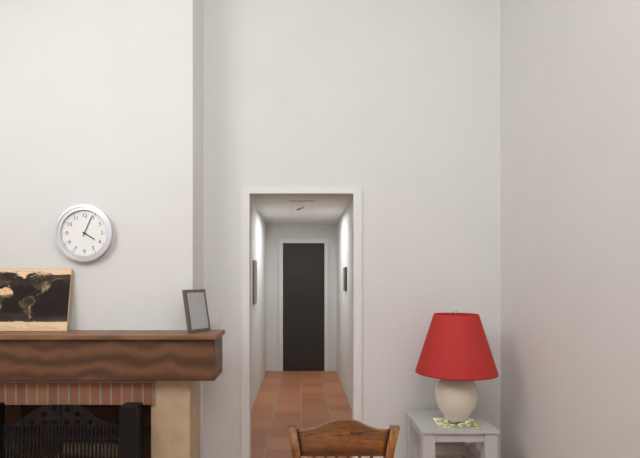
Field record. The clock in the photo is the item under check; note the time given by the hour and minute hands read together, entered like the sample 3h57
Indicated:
4h04
